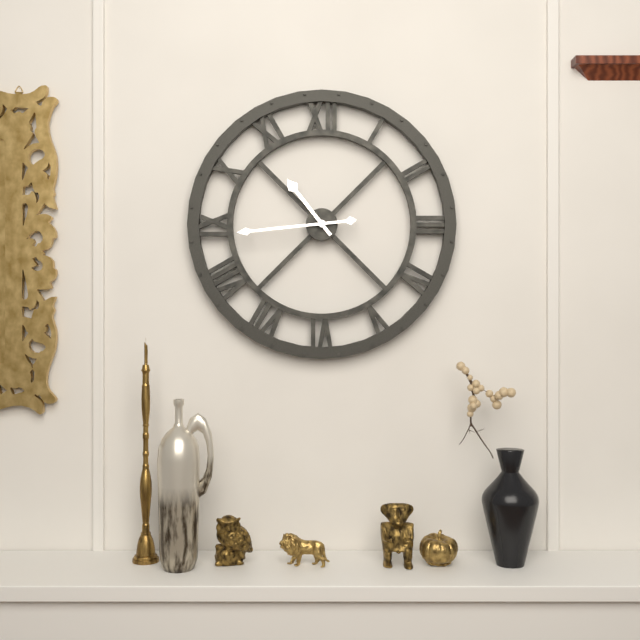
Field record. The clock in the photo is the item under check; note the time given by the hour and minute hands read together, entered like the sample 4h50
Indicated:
10h44
